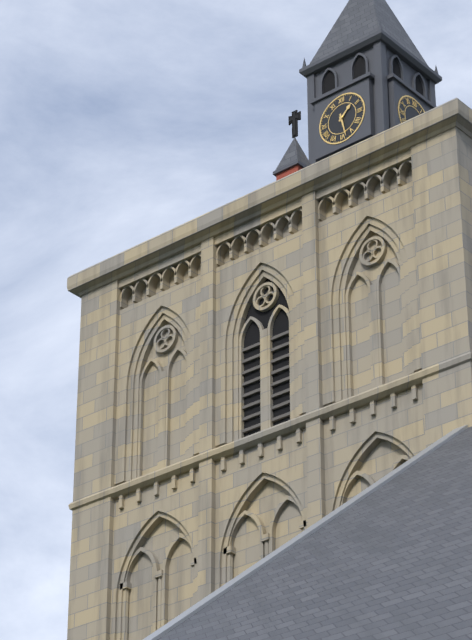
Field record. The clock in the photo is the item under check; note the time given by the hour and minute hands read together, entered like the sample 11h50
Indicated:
1h28
